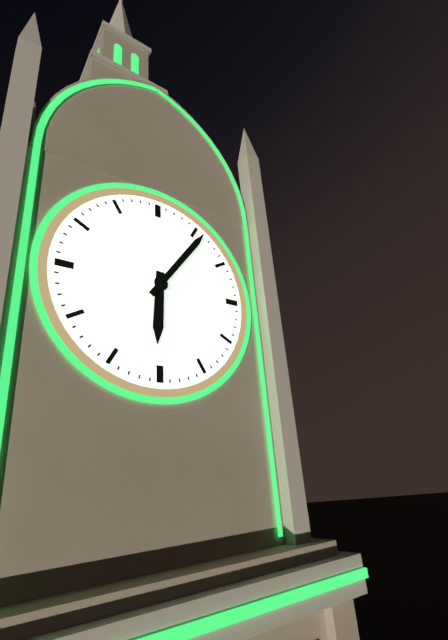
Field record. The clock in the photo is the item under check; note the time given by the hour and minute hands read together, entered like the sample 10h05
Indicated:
6h06
